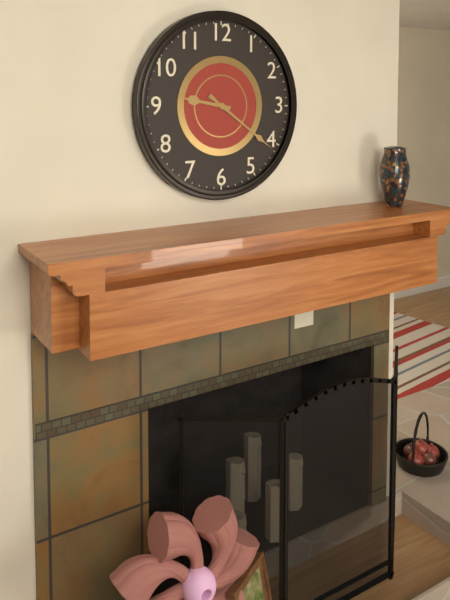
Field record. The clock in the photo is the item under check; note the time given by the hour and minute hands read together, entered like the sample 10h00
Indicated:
9h21
